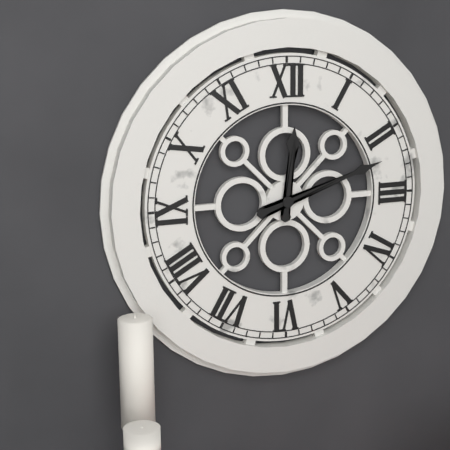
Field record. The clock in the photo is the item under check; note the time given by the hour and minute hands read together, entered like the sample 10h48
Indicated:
12h12
